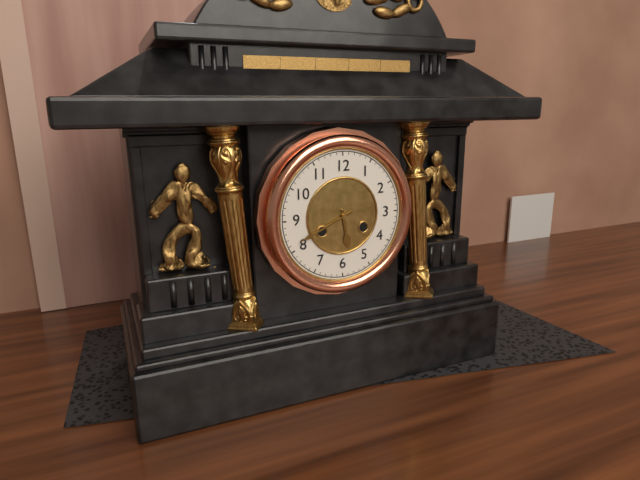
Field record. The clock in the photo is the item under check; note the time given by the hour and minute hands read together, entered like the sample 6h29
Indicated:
5h41
